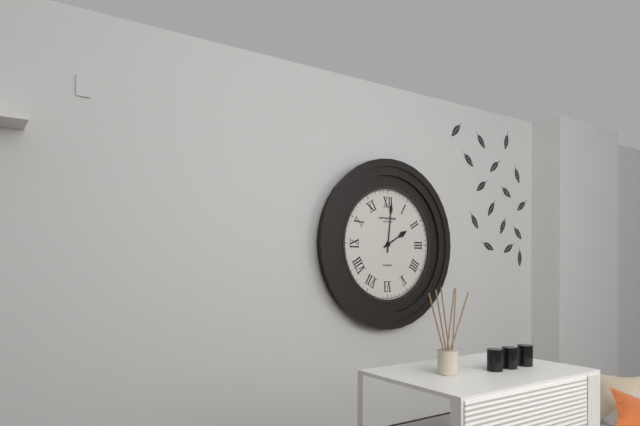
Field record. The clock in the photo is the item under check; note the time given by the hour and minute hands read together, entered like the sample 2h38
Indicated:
2h01
